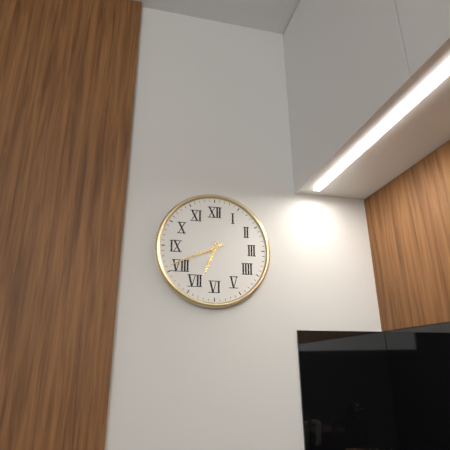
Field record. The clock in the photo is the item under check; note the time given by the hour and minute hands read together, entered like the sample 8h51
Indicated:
6h41
